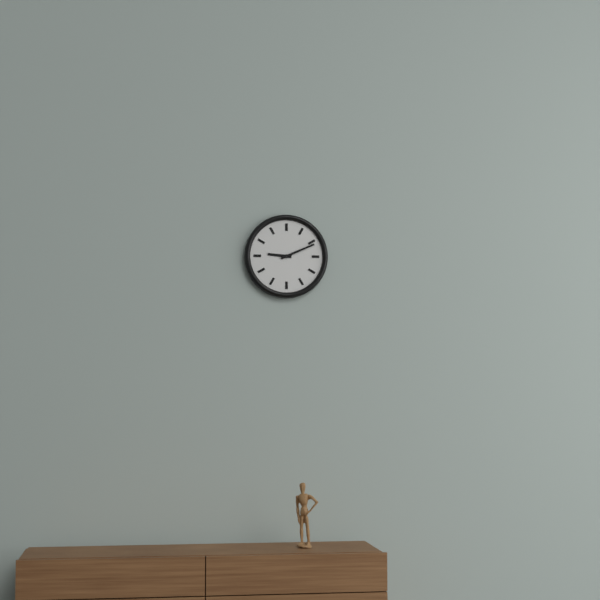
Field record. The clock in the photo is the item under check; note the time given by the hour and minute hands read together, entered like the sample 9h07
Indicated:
9h11
